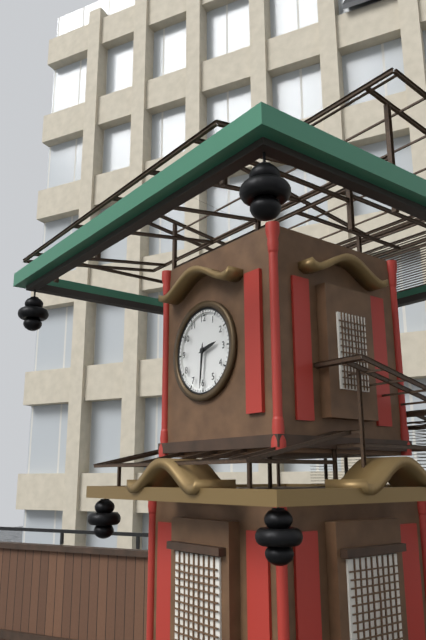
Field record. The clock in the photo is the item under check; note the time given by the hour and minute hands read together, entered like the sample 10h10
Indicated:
2h31
